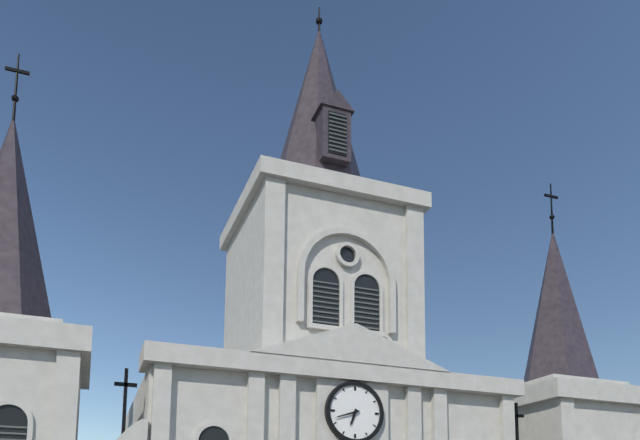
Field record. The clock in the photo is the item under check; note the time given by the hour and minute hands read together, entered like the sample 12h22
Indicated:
6h42
